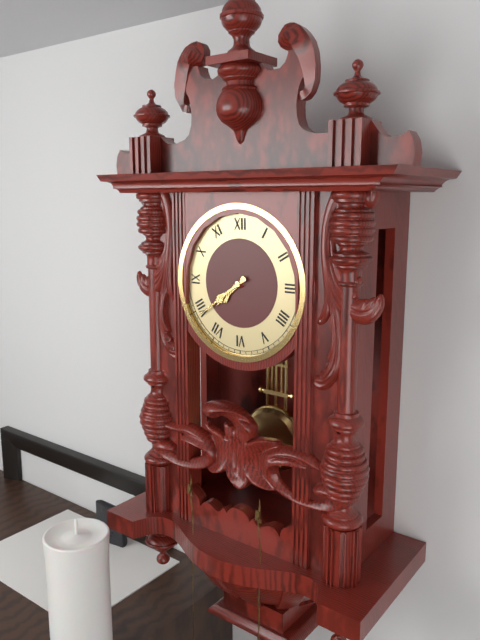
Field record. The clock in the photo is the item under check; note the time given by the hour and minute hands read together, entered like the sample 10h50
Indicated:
7h39
